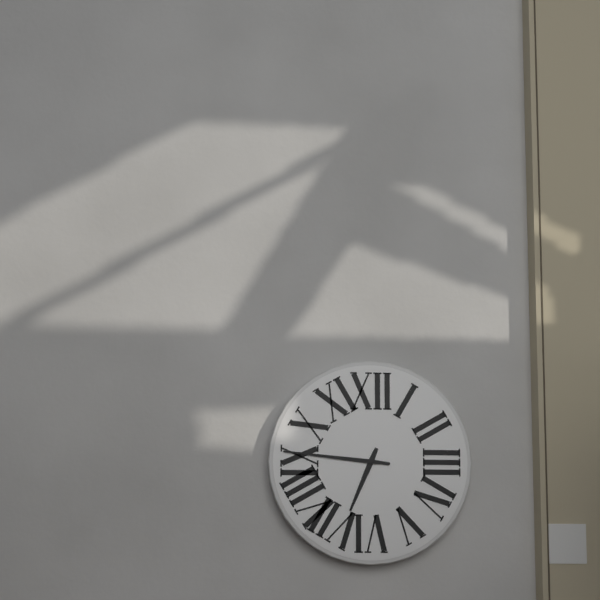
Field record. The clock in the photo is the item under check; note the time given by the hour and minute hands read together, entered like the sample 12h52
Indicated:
6h46
